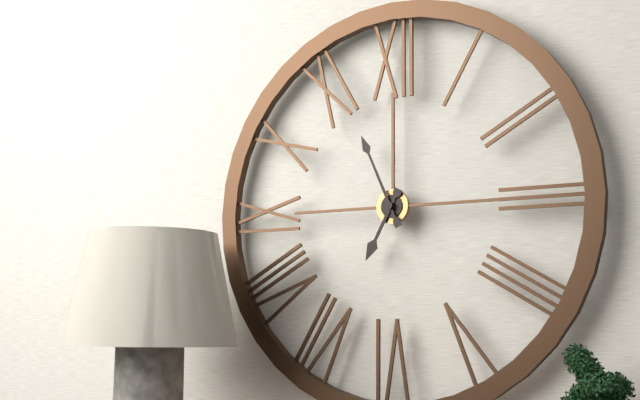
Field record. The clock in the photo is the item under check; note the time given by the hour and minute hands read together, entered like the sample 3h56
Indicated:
6h56
